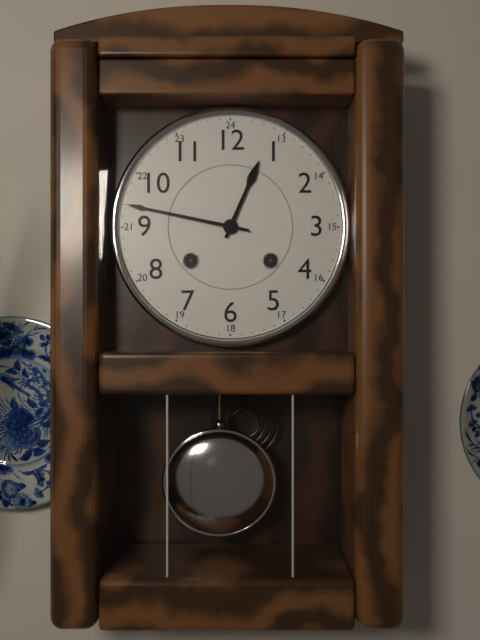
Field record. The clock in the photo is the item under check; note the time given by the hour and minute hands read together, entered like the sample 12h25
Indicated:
12h47
